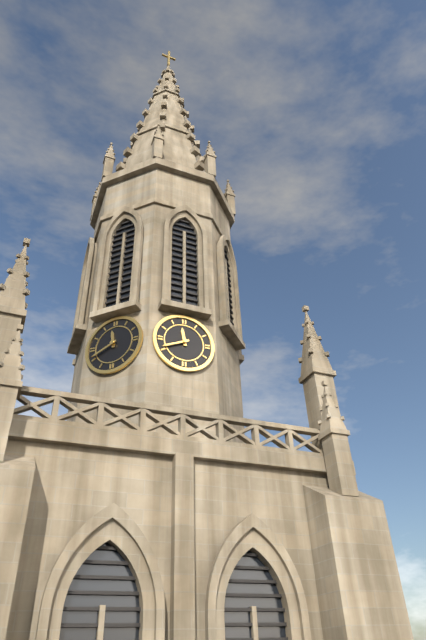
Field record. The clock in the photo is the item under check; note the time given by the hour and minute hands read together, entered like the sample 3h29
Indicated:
11h41
